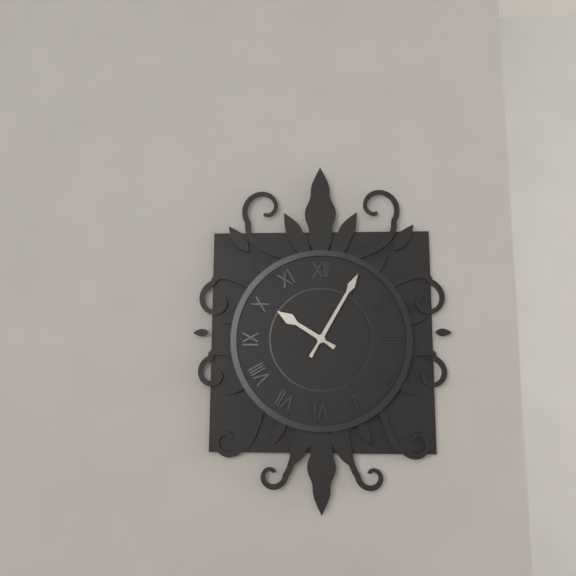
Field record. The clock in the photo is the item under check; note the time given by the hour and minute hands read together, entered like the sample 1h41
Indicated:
10h05
